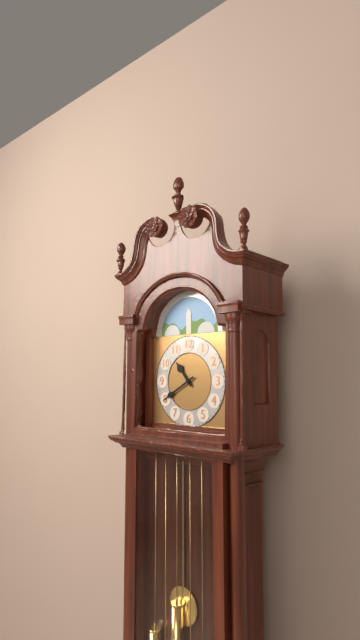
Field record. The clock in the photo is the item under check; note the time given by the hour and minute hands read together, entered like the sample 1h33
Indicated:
10h40
